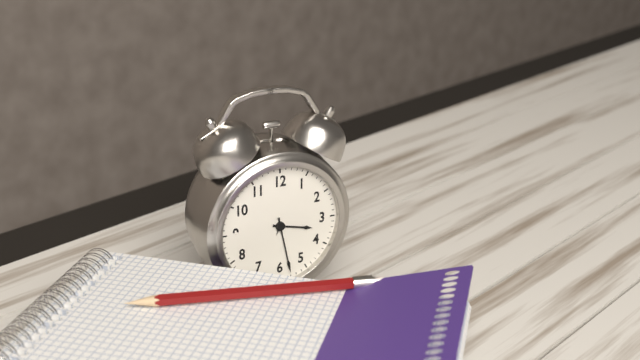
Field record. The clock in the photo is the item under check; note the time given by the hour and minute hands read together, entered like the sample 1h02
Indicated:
3h28
